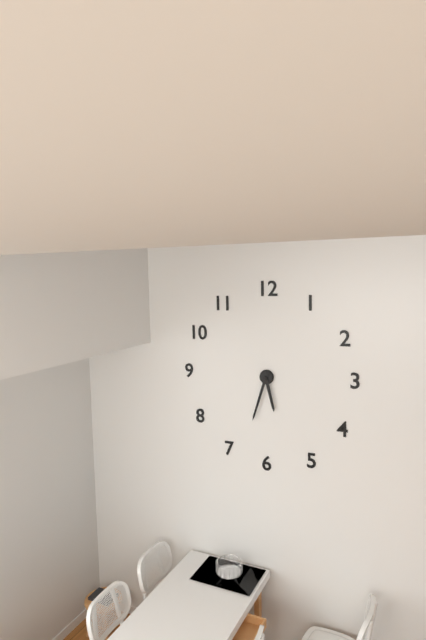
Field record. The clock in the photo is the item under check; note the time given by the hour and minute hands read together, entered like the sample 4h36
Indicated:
5h33
